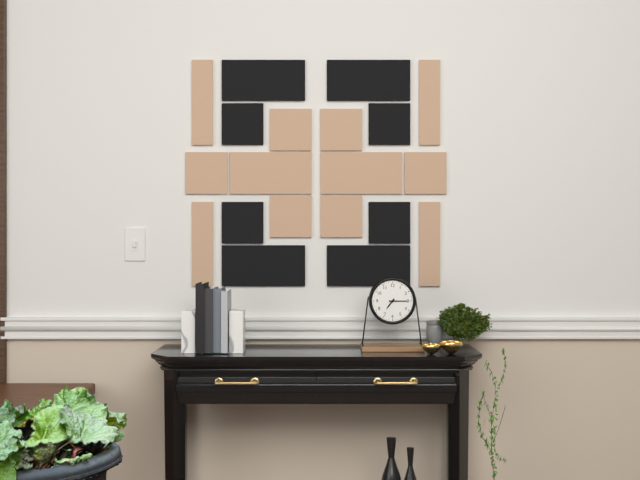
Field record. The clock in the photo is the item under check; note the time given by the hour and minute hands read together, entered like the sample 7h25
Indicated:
7h15
